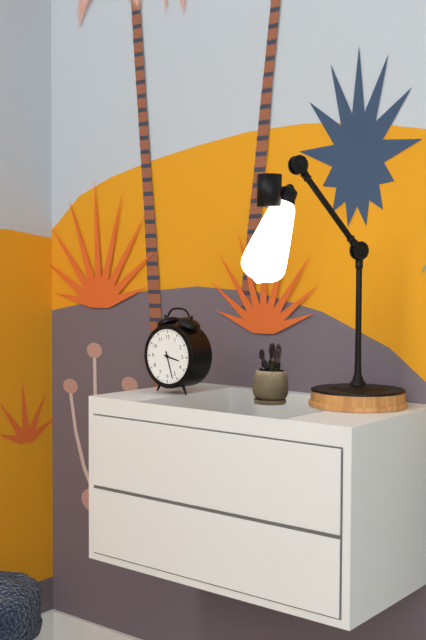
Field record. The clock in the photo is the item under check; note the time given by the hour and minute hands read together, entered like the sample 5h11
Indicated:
3h27
